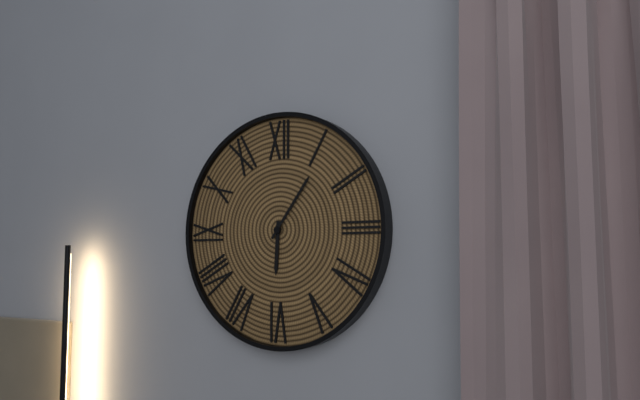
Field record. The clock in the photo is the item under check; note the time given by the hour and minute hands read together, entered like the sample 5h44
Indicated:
6h06
